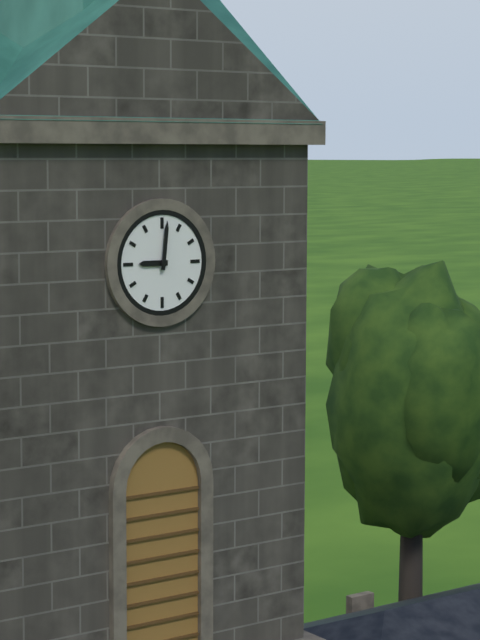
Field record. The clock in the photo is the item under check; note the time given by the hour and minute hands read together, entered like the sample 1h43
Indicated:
9h01
